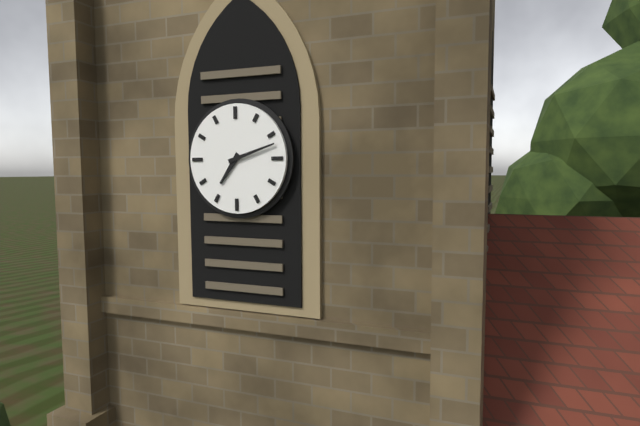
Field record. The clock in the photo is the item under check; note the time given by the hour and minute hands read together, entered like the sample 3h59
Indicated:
7h12
